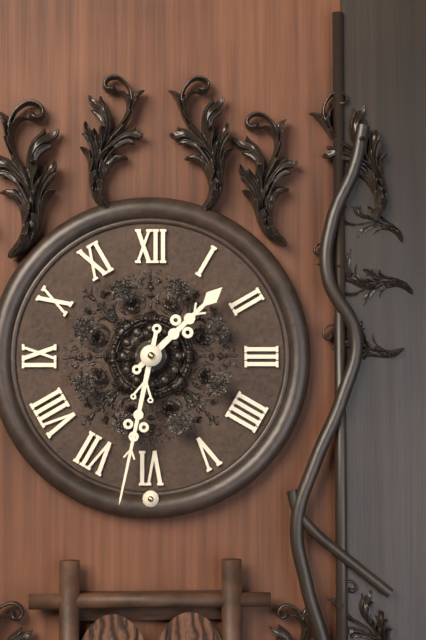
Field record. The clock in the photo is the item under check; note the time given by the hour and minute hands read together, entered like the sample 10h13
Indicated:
1h32
